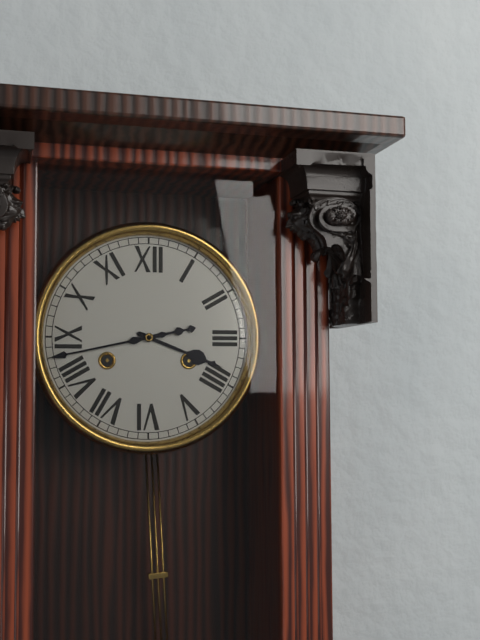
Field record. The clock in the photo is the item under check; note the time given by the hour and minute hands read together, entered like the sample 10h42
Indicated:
3h43
